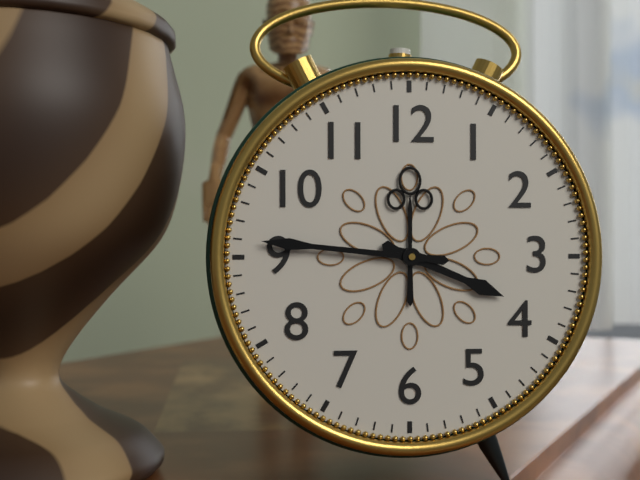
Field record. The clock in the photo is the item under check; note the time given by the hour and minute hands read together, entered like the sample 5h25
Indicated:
3h46
